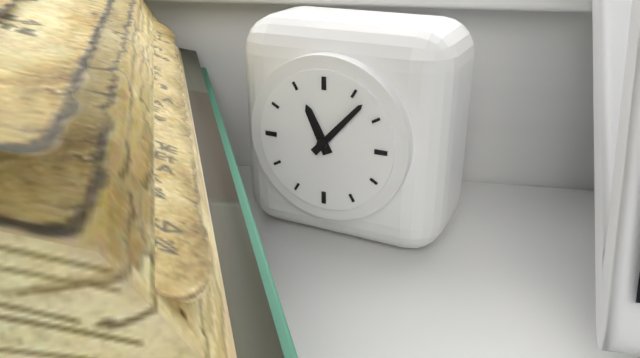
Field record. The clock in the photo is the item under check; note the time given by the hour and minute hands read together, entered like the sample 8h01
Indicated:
11h07
